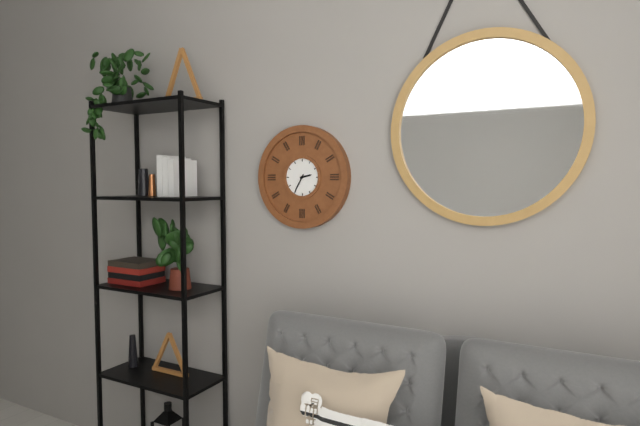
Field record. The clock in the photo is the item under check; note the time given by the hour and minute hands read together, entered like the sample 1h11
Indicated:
2h35
